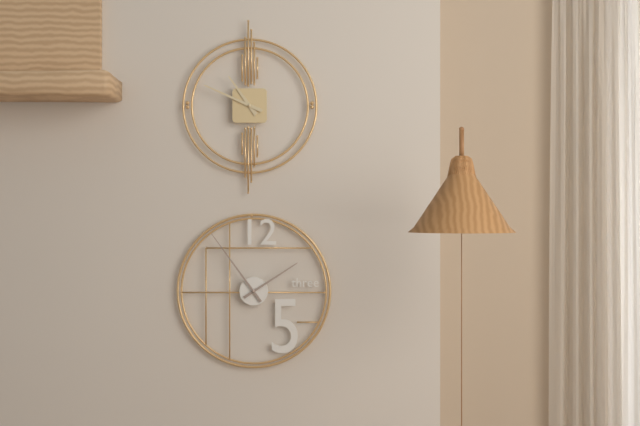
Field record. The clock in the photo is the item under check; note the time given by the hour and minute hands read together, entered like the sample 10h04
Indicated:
10h49
